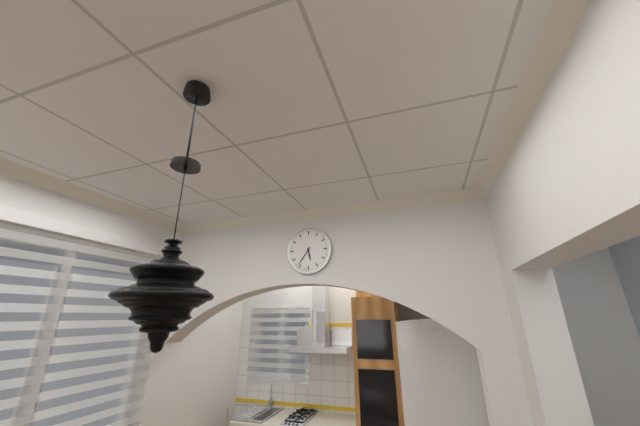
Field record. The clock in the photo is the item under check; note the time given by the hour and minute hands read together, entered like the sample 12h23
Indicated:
5h36
